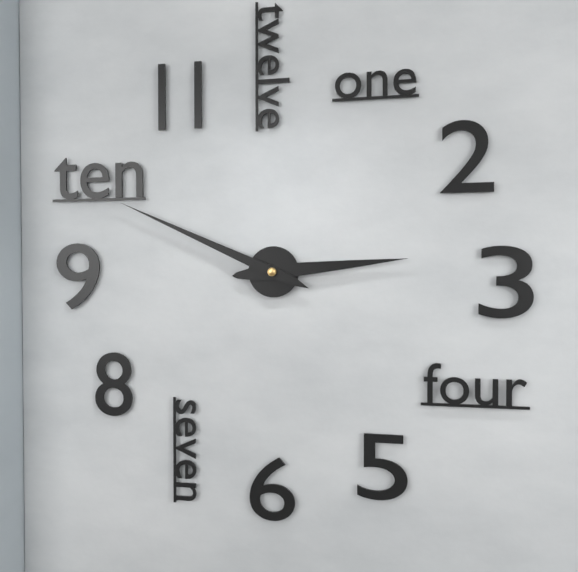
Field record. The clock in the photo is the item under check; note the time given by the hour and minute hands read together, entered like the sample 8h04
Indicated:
2h49
